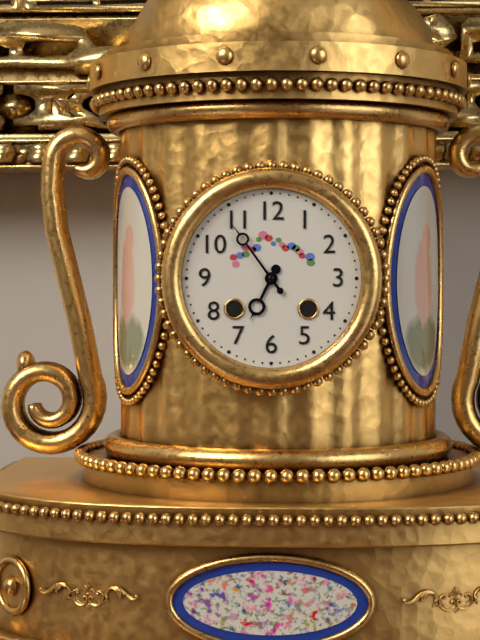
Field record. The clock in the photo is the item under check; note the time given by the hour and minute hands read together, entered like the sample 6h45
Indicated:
6h54
